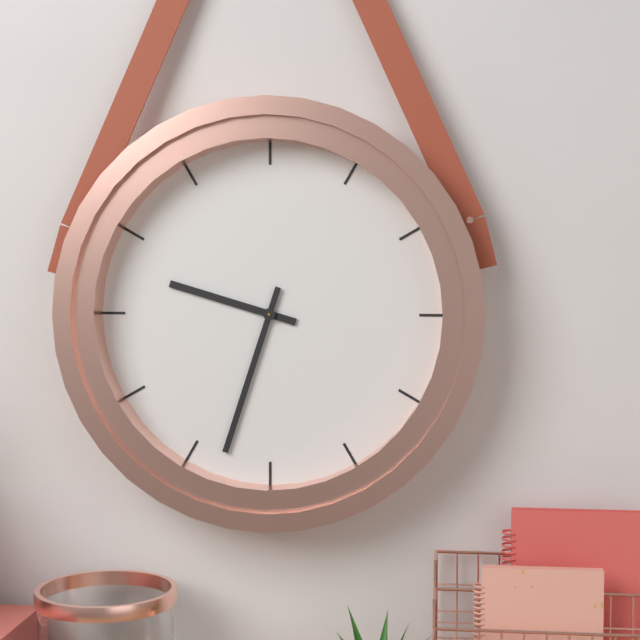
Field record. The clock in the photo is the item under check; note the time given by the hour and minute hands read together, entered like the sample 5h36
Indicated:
9h33
